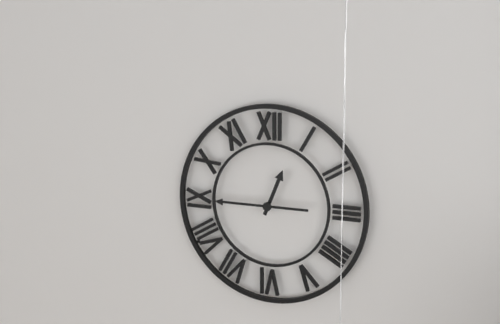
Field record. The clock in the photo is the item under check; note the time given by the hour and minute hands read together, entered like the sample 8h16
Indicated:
12h45
